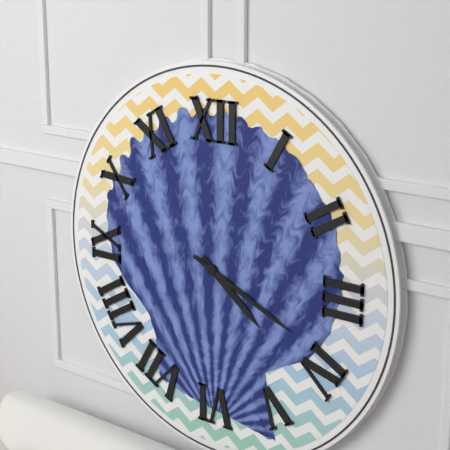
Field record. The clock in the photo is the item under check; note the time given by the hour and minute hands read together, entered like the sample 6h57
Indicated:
4h19
